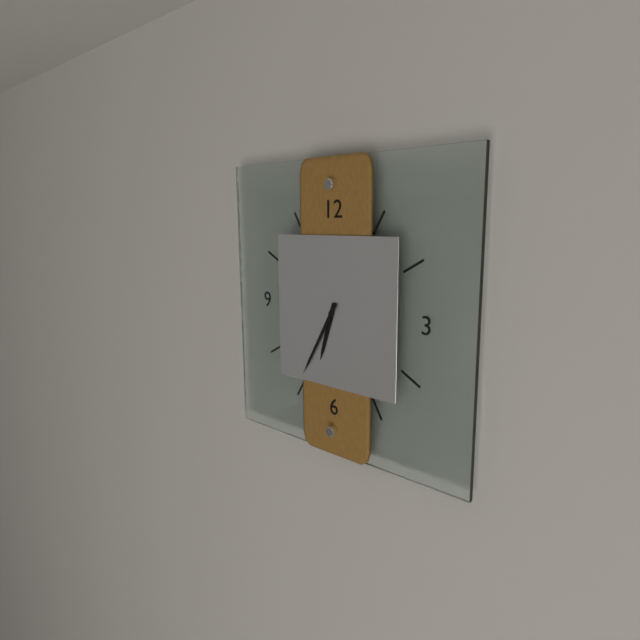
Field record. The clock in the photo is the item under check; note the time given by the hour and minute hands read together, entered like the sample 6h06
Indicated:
6h35
